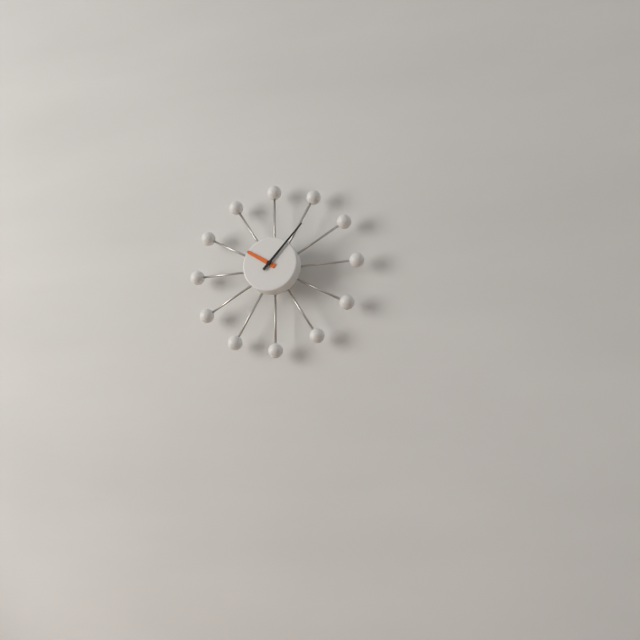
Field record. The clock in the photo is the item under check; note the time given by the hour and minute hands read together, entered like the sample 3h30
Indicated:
10h07
